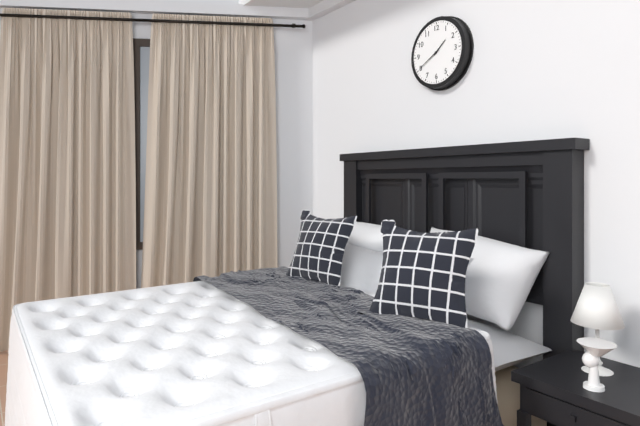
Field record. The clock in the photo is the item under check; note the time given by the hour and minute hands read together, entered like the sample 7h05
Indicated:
1h40
